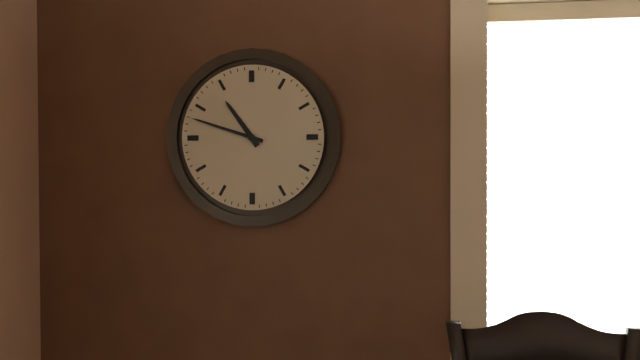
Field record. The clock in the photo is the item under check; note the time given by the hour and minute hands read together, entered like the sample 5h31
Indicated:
10h48
